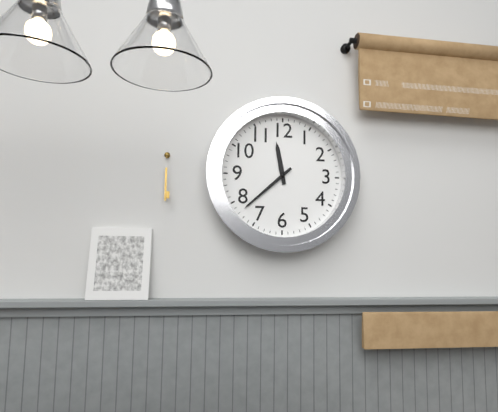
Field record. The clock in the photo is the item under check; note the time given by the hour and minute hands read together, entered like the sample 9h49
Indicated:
11h38
